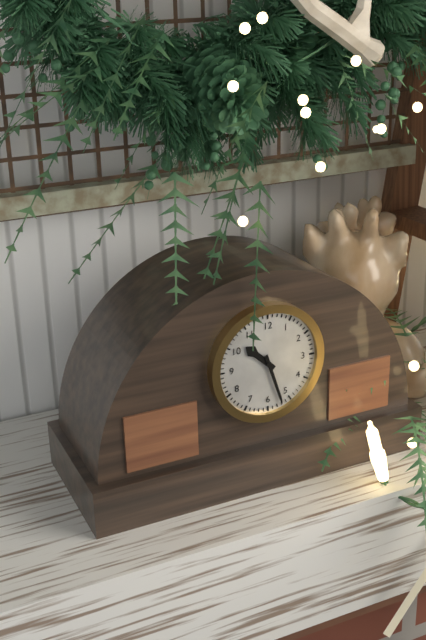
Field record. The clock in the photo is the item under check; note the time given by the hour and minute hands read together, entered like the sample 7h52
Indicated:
10h27
